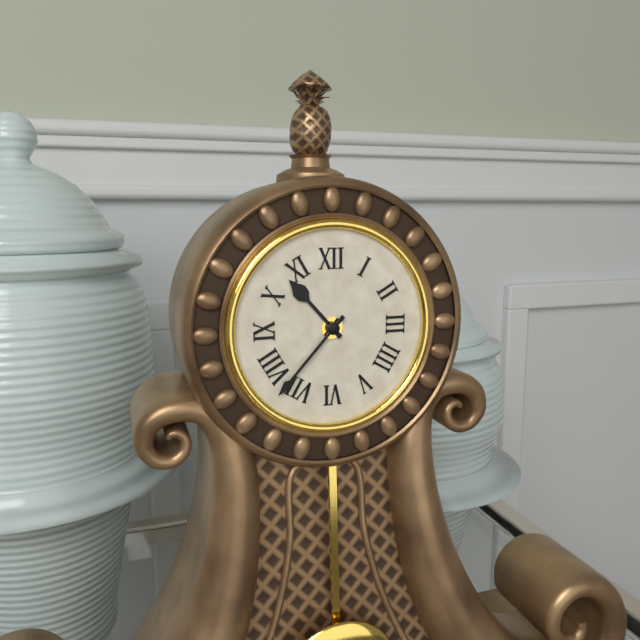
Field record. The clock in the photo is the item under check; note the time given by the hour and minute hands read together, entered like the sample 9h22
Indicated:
10h37
